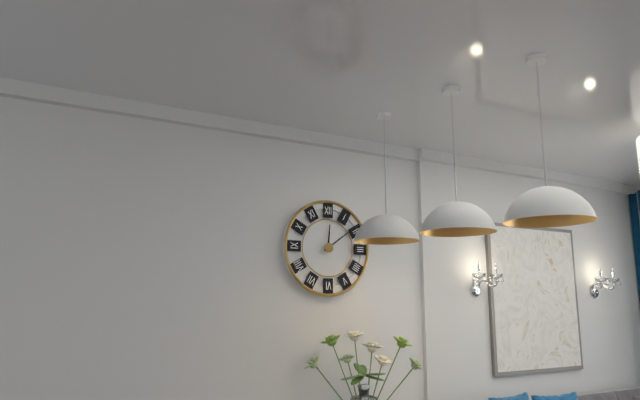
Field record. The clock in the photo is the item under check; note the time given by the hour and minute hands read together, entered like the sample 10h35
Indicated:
12h09
